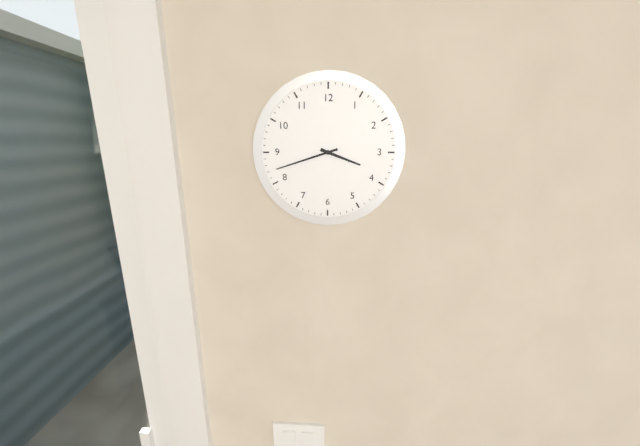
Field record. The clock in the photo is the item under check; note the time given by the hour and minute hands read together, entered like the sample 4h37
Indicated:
3h42
